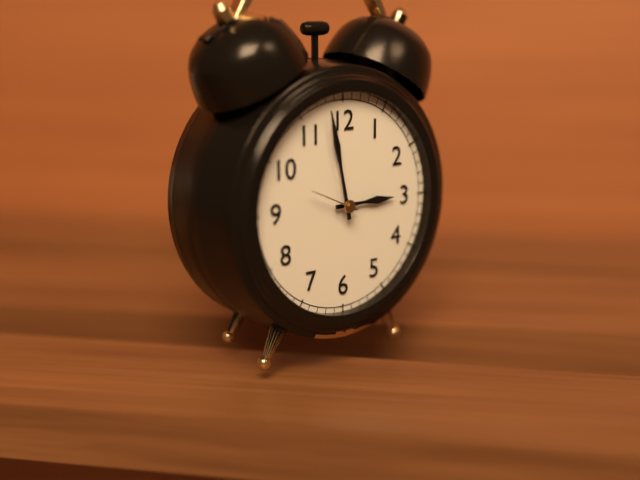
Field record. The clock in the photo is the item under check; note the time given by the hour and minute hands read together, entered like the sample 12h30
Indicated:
2h58
